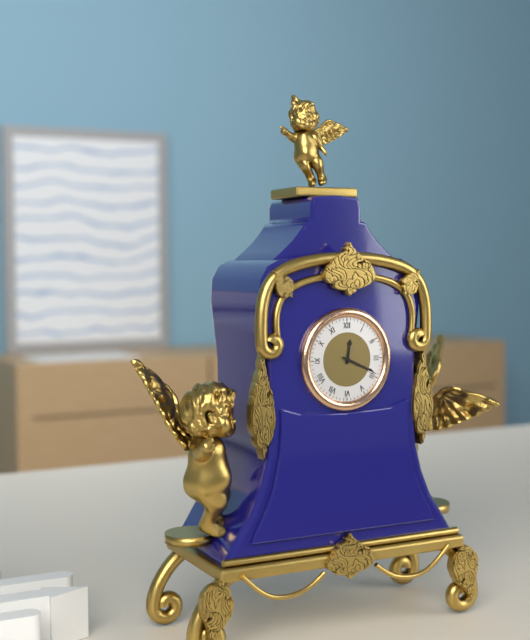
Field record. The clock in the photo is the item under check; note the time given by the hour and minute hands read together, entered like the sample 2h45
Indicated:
12h19
